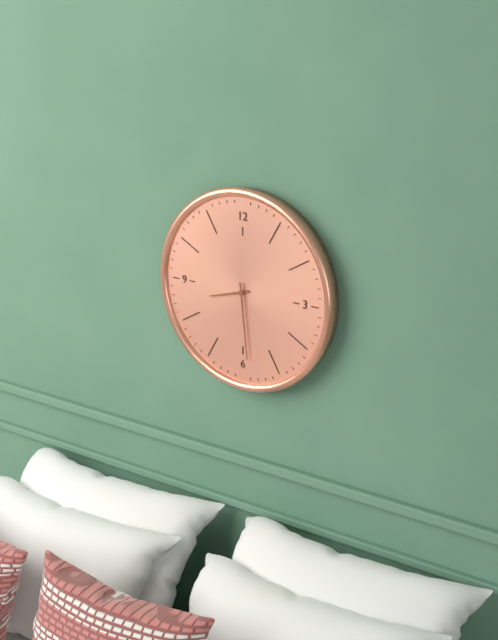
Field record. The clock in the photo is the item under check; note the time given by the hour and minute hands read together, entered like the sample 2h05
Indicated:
8h29
